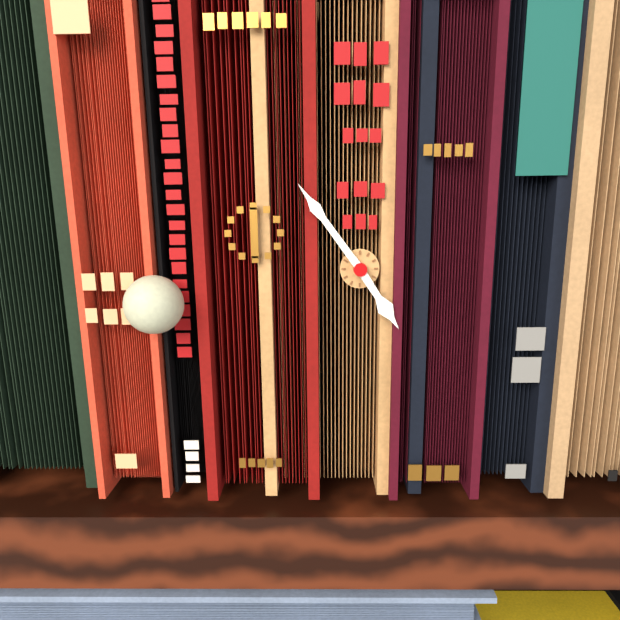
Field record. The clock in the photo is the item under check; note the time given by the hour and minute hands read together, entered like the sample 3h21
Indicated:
4h54
